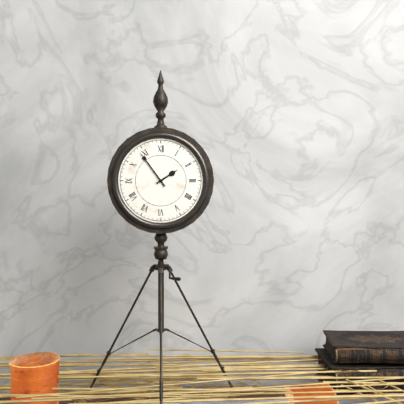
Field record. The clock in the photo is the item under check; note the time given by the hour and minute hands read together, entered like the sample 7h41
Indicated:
1h54
